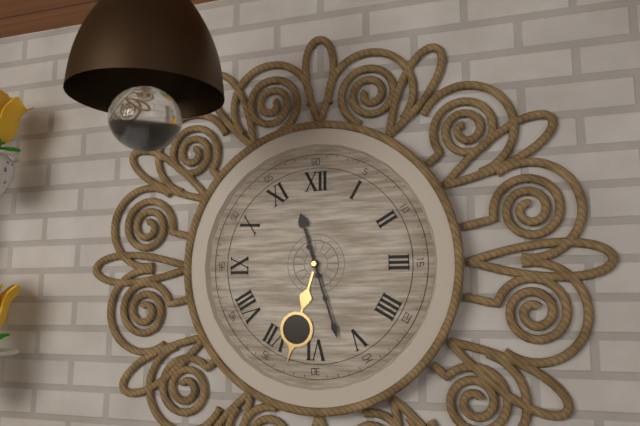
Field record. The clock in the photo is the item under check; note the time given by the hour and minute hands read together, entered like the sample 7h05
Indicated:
11h27
